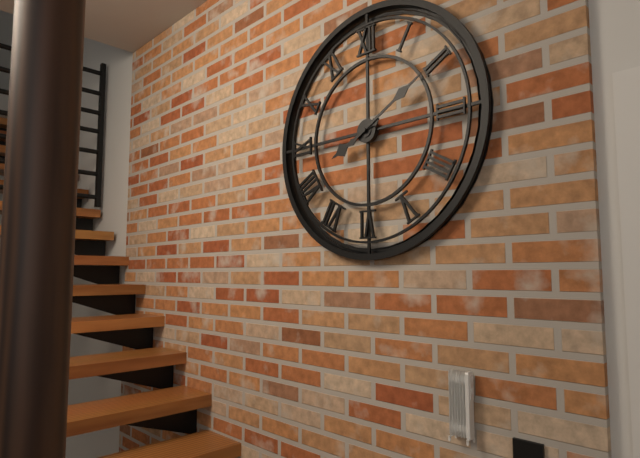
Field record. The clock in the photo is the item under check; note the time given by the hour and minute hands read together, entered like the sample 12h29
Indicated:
8h10
